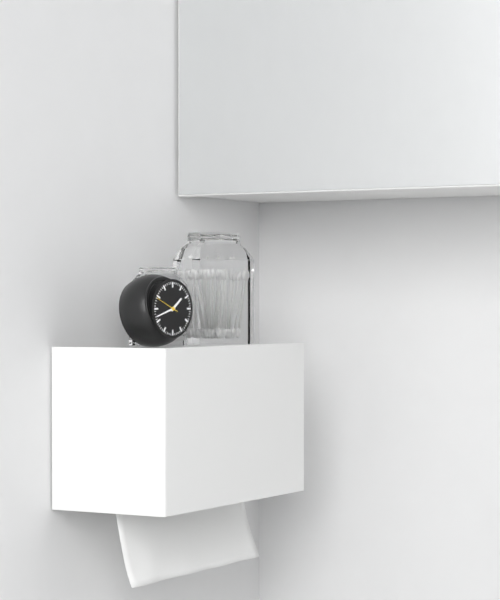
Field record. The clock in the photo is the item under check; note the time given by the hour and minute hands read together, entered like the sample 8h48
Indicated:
1h42
